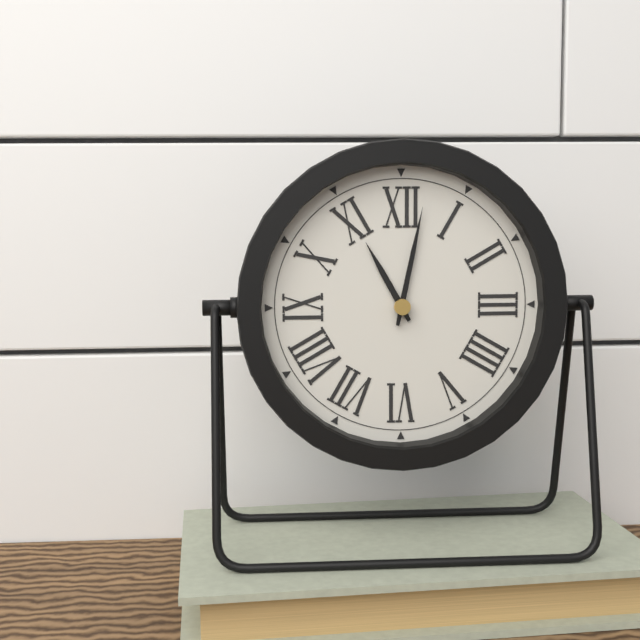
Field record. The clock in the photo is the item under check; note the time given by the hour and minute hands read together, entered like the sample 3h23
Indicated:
11h02
